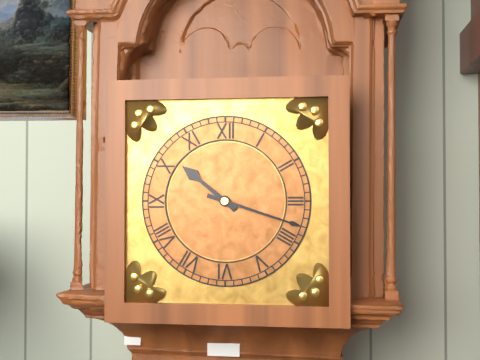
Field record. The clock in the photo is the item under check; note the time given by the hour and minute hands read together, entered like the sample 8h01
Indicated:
10h18
